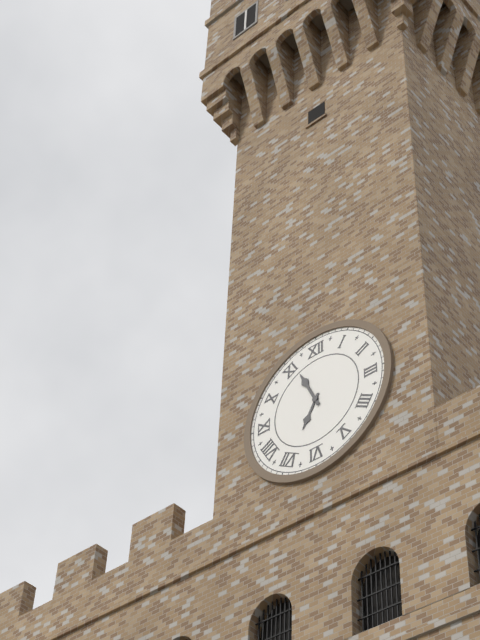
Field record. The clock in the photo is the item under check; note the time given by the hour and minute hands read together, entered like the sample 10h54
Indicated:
6h56
